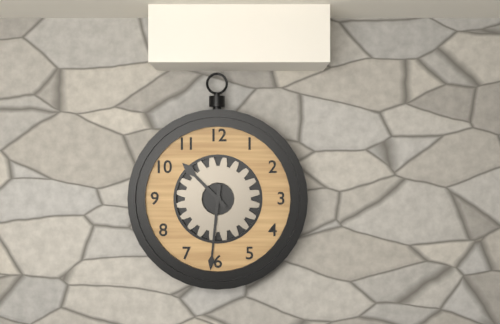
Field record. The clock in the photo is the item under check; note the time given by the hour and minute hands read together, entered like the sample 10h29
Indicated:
10h31
